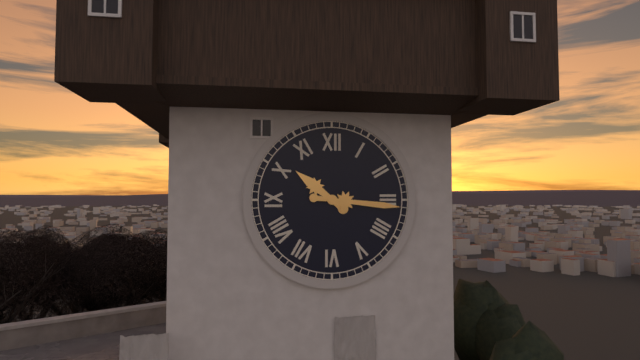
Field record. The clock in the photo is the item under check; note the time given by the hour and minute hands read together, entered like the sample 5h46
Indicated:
10h16
